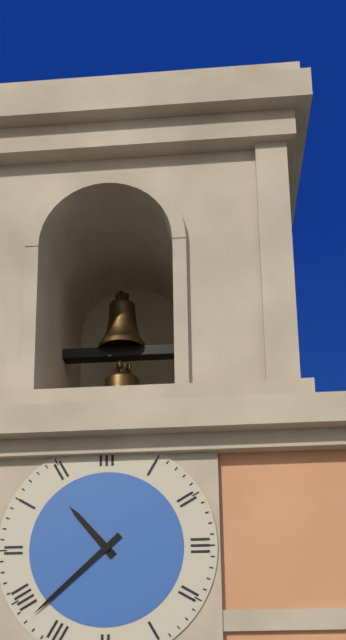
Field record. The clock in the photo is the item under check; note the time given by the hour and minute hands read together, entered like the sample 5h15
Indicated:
10h38
